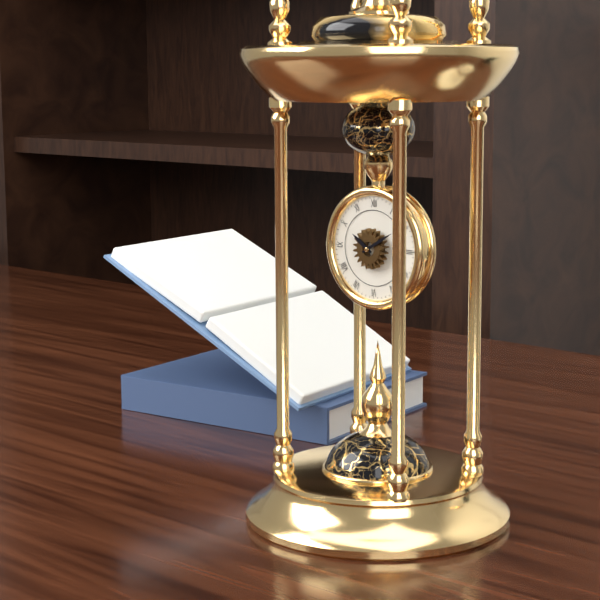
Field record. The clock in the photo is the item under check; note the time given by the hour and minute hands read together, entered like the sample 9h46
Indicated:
10h10
